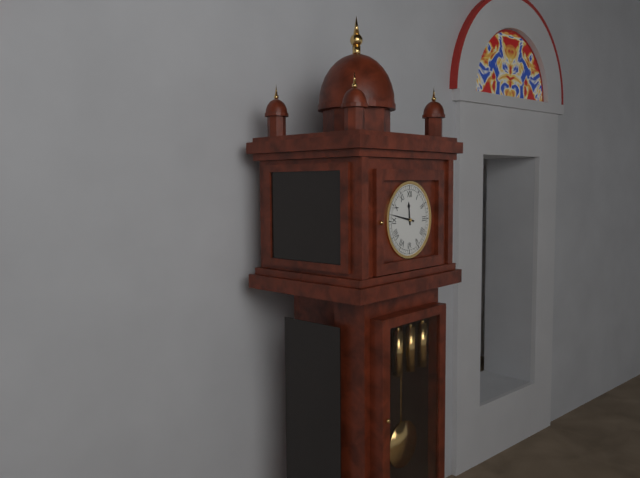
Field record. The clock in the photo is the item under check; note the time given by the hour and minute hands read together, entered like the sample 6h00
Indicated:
11h47
